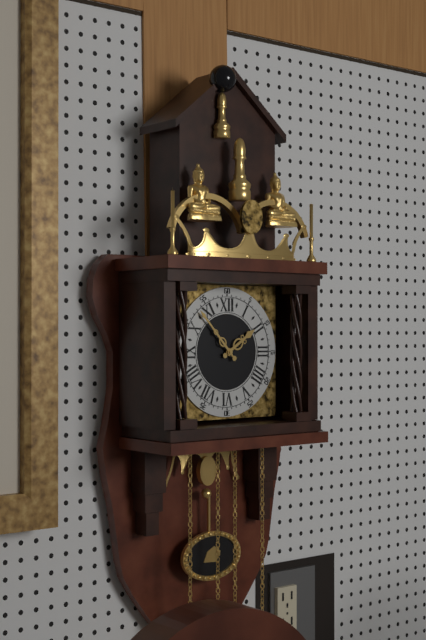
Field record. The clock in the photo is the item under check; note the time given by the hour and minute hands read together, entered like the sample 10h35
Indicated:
1h53
